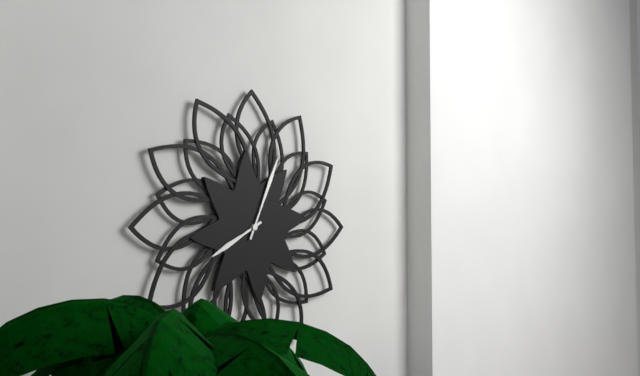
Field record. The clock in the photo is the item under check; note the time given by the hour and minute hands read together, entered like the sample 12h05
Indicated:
8h04
